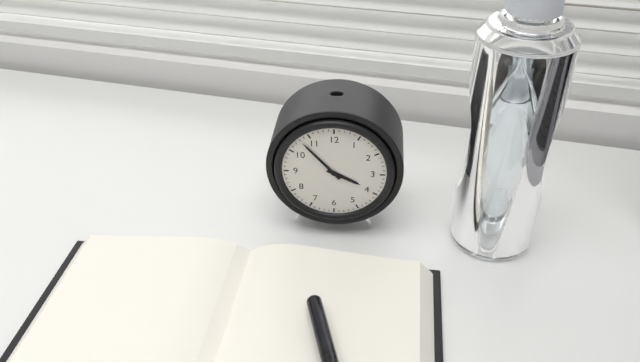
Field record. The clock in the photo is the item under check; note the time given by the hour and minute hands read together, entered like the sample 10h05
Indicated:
3h53
